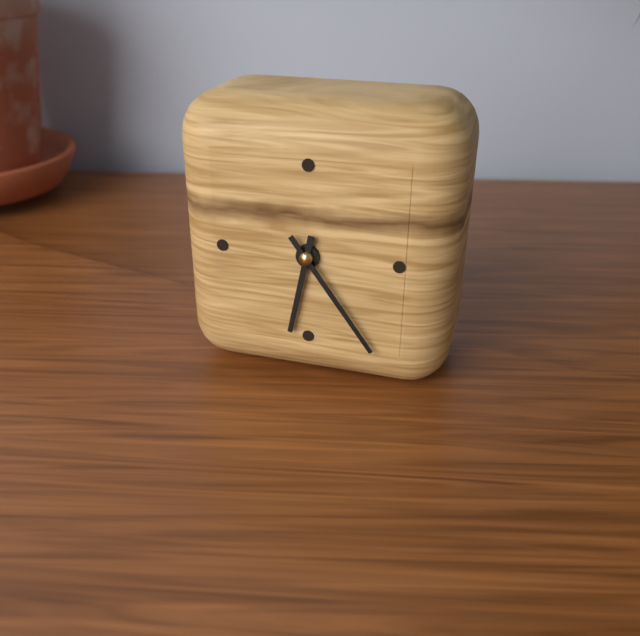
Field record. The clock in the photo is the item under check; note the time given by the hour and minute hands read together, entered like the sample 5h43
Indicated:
6h24
